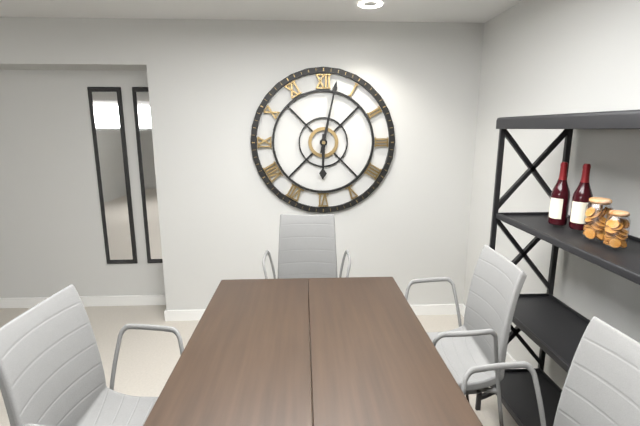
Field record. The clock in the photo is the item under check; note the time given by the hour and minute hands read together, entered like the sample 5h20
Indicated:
6h02
